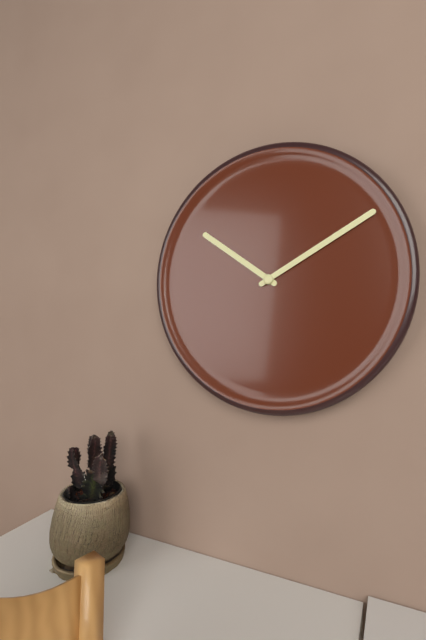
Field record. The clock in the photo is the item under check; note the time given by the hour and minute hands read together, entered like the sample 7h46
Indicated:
10h10
